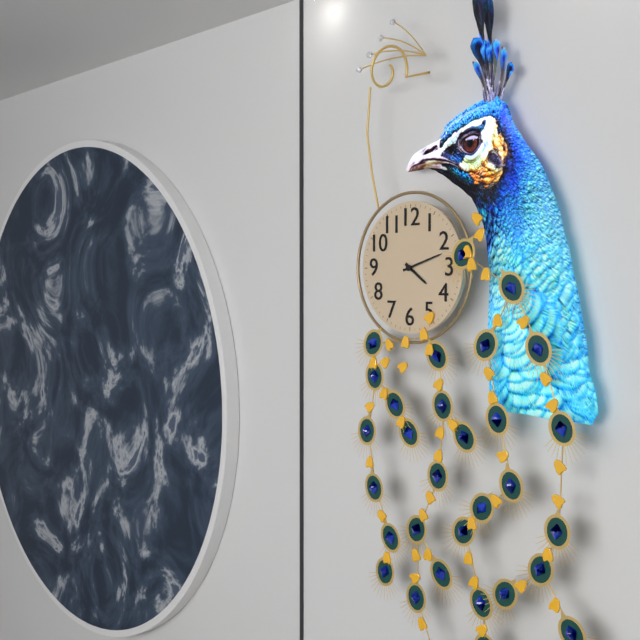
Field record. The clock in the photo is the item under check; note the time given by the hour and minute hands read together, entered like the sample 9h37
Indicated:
4h12
